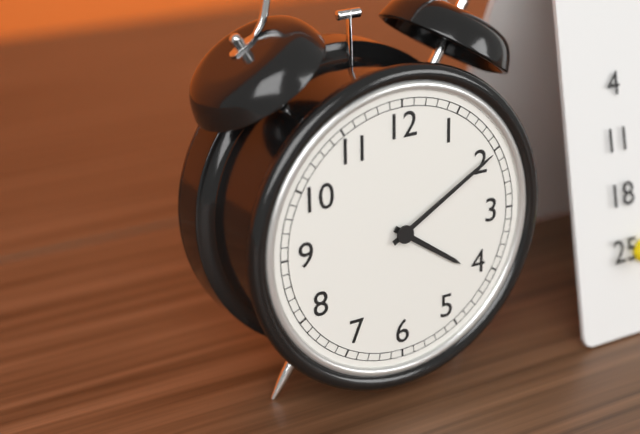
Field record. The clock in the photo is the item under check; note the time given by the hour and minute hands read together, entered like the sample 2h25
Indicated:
4h10
